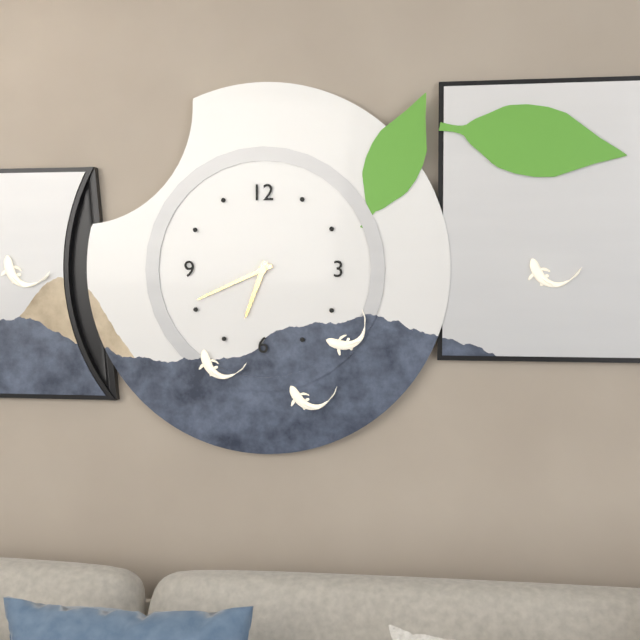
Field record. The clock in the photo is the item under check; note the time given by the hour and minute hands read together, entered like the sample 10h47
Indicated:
6h41
